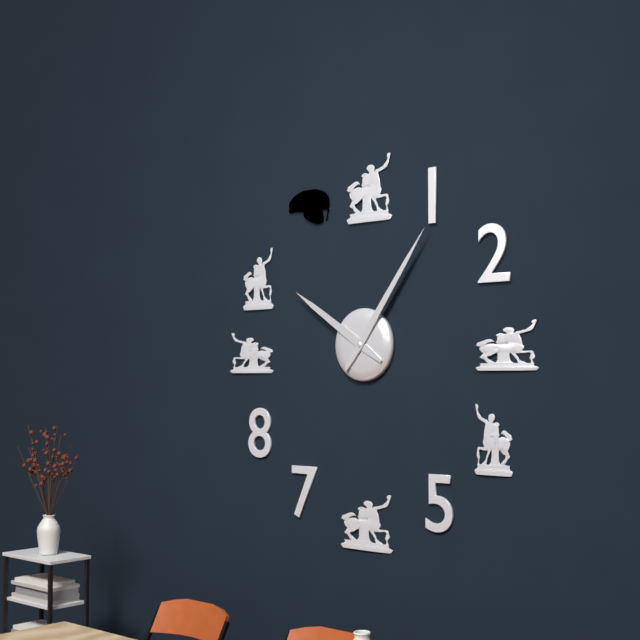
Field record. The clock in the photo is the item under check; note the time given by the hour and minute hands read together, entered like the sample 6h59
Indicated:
10h06
